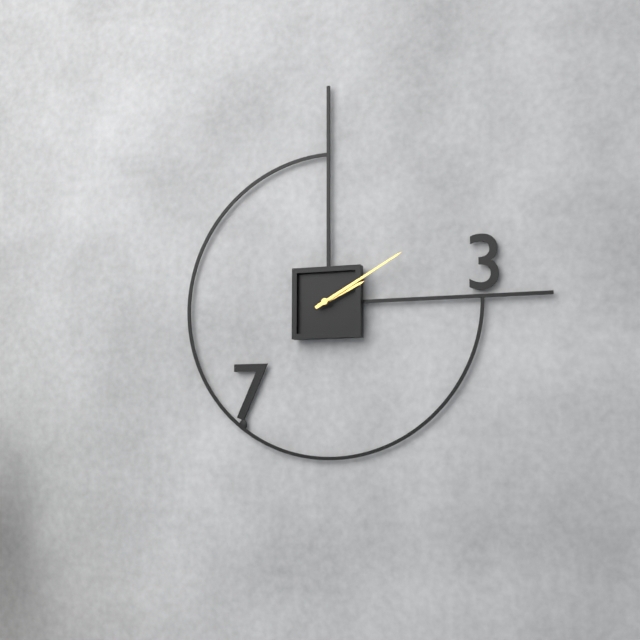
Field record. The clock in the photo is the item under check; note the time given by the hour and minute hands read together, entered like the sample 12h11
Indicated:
2h10
